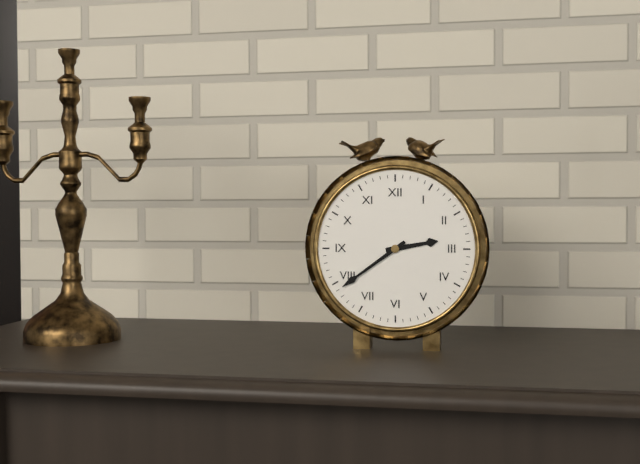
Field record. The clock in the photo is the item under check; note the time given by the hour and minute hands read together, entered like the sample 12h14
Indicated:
2h39
